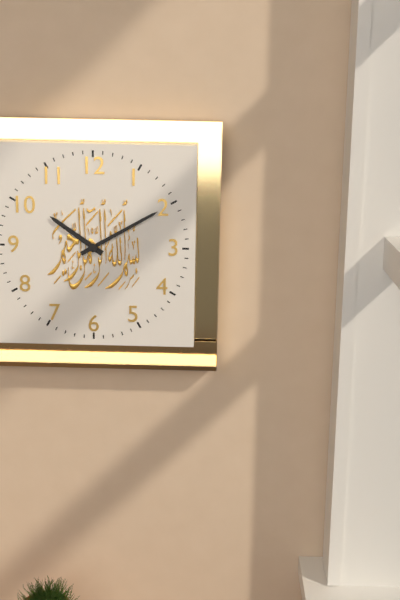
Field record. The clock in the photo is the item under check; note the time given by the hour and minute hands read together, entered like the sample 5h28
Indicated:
10h10
